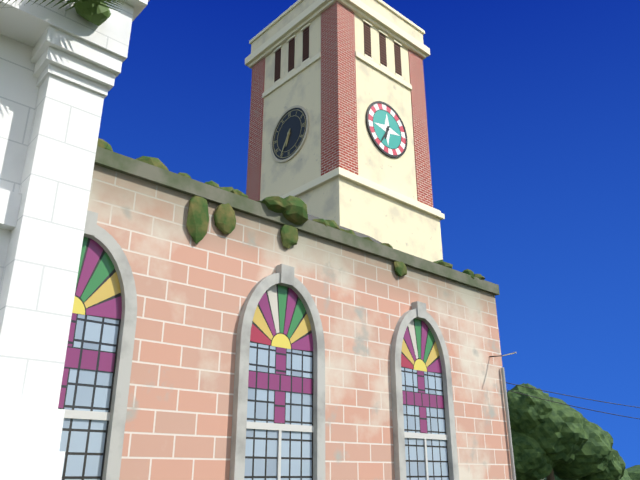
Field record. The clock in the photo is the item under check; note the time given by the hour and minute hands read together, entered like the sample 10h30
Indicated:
6h35
